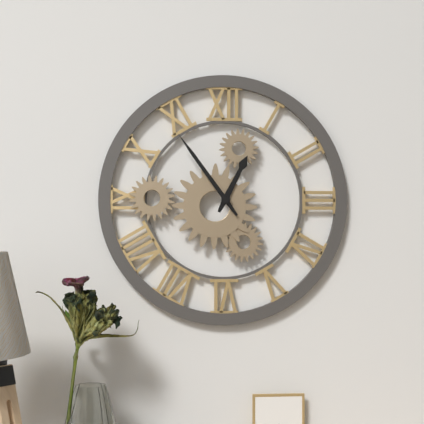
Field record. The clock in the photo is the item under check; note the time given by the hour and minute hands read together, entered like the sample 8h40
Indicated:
12h54
